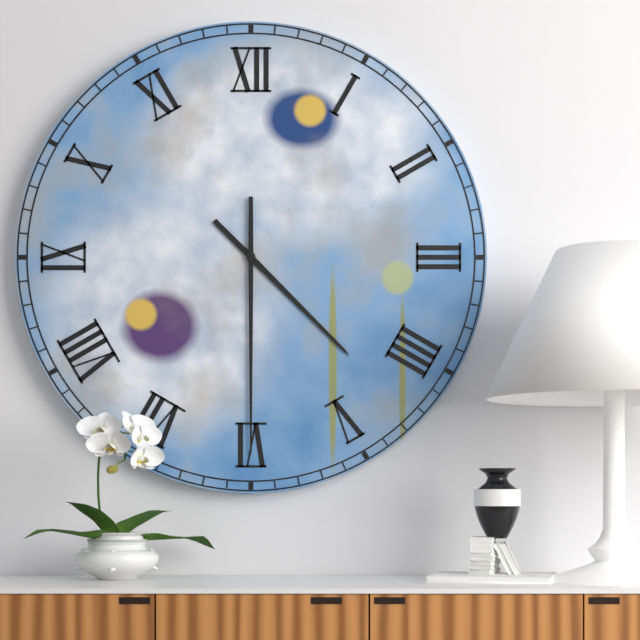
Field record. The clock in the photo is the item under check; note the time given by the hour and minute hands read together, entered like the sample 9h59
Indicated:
4h30
